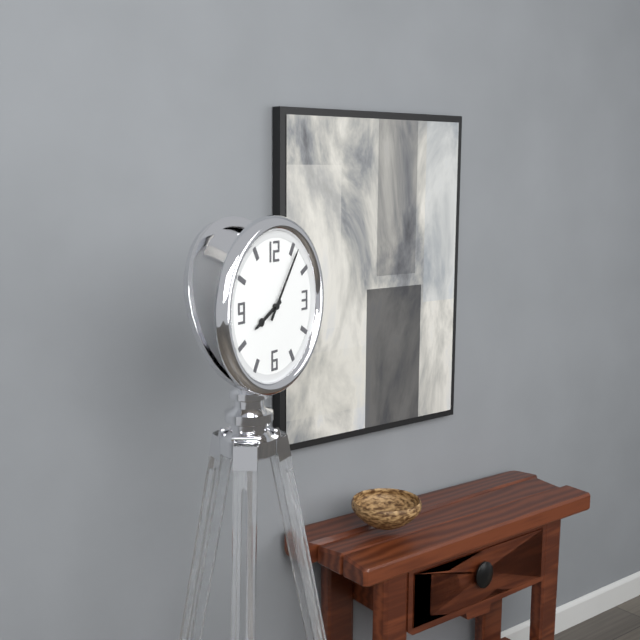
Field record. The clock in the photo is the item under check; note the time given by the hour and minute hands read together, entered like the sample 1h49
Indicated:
8h06
